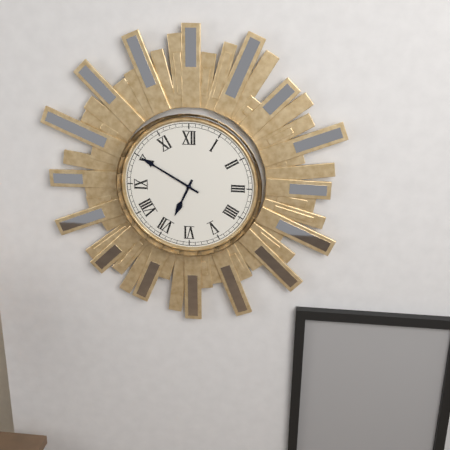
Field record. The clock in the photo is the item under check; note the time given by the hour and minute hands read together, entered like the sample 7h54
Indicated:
6h50
